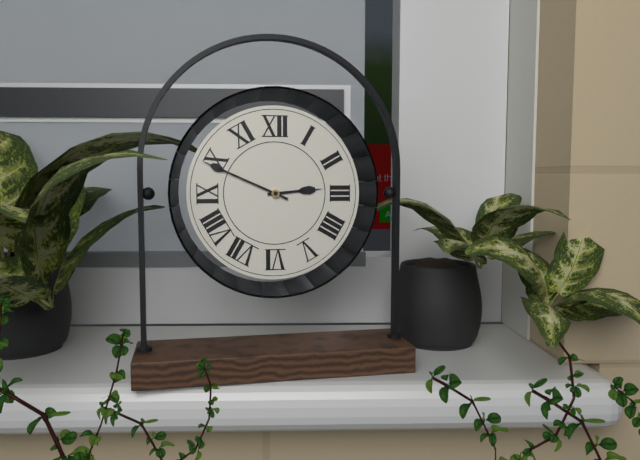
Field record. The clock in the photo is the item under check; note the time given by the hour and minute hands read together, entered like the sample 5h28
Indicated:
2h49
